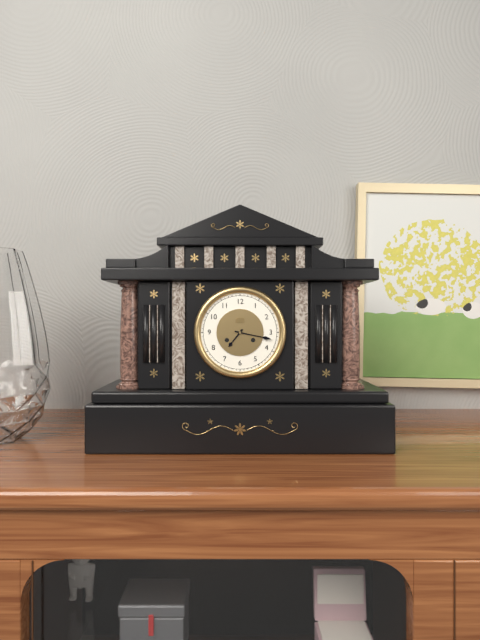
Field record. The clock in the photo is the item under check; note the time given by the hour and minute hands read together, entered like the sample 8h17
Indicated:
7h17
